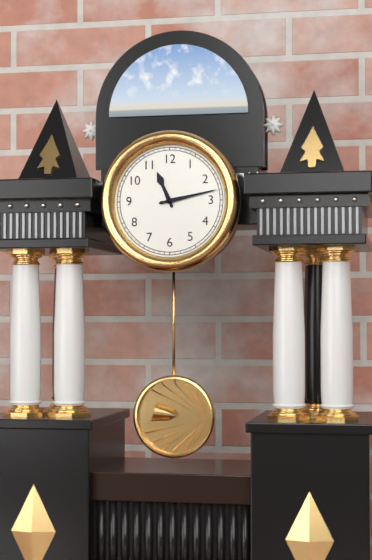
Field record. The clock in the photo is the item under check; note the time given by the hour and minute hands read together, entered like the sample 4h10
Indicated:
11h13
